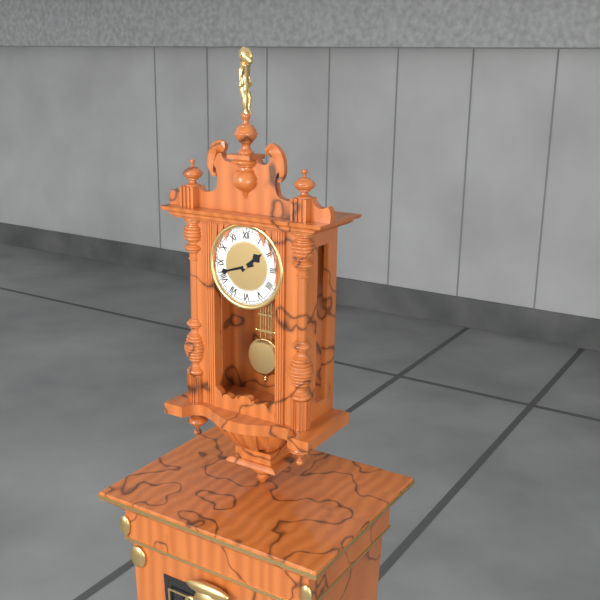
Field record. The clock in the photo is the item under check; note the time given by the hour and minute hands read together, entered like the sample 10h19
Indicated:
1h42
